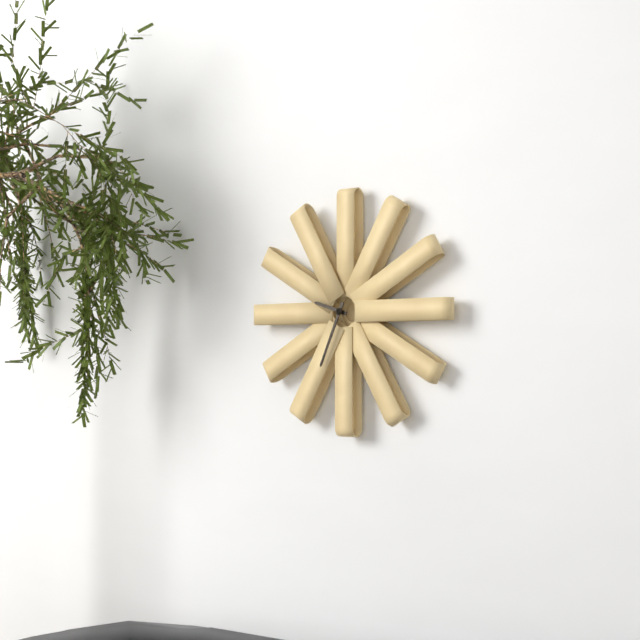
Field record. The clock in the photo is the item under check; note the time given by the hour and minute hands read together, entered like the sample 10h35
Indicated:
9h34
